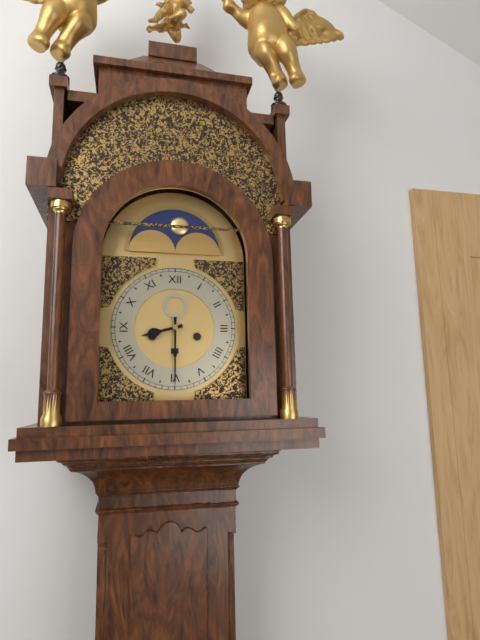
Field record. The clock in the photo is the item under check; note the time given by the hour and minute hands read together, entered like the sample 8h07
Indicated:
8h30
